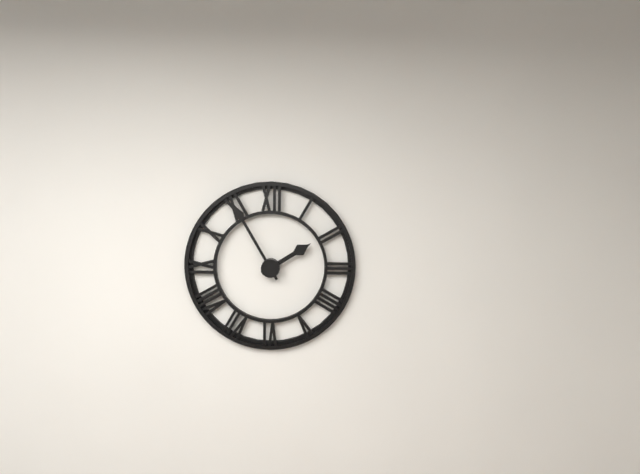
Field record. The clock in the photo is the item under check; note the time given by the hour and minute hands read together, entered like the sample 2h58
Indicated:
1h55
